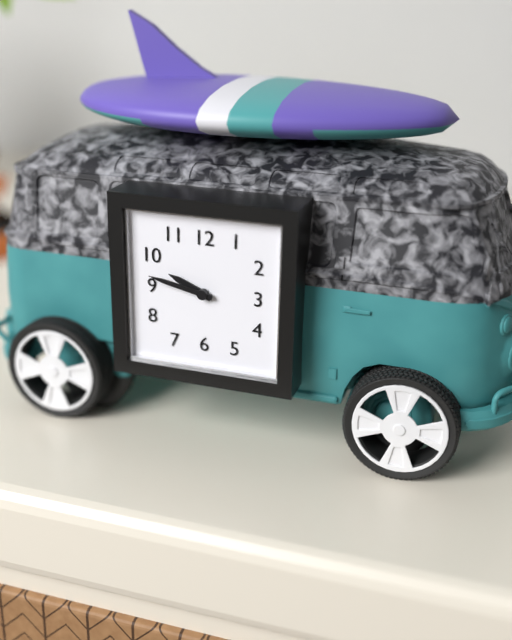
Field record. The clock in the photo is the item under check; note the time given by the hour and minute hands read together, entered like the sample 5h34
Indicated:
9h47
